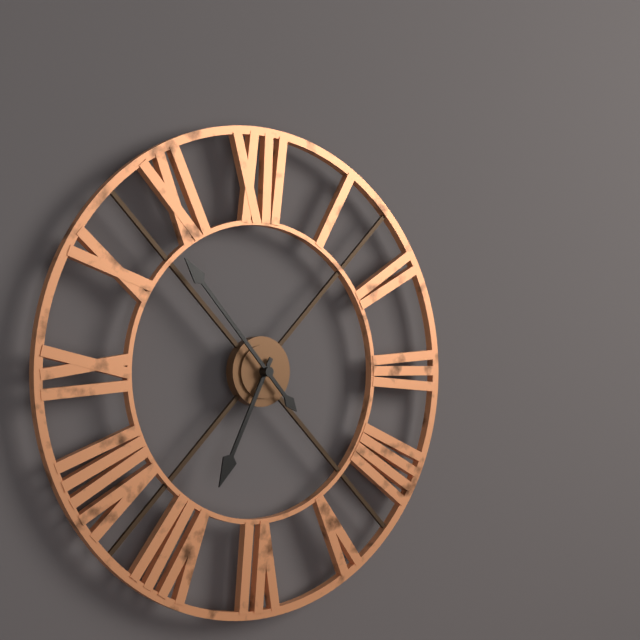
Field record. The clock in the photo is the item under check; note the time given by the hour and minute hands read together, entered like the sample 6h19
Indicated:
6h53
